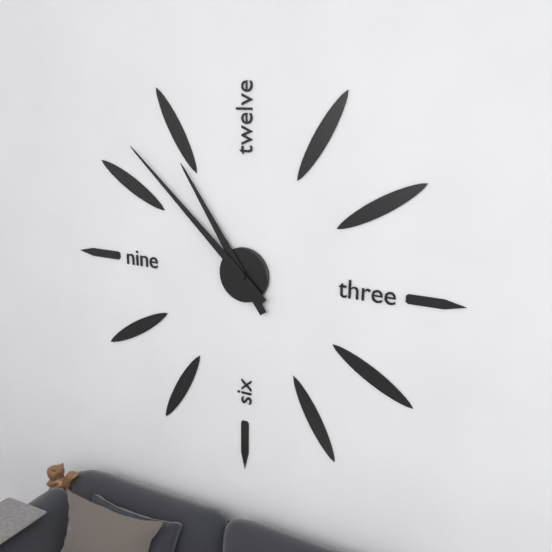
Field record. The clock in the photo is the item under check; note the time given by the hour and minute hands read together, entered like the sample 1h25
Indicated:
10h52
